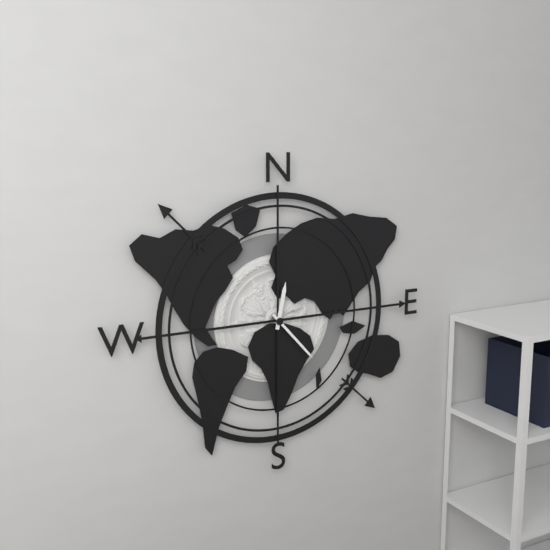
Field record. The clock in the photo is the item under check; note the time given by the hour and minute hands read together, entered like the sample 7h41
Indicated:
12h23
